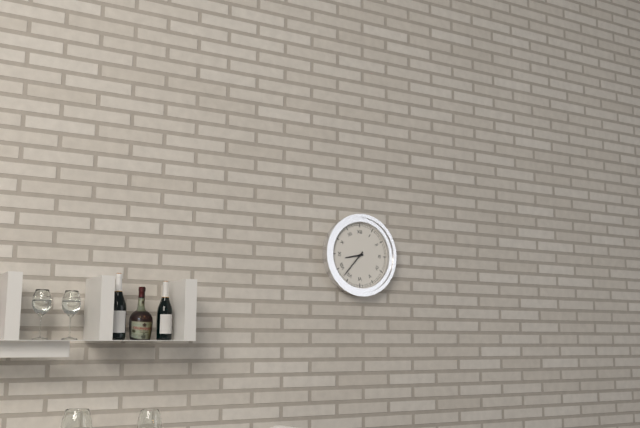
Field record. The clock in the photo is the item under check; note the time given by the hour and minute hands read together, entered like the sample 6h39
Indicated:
8h37
